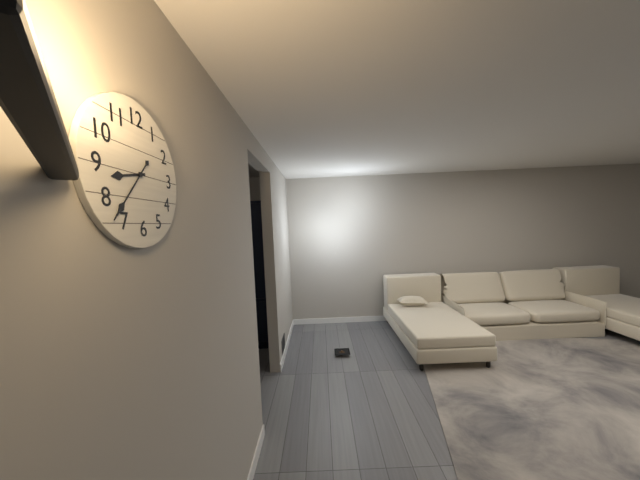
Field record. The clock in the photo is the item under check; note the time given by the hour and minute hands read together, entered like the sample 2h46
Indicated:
8h37
